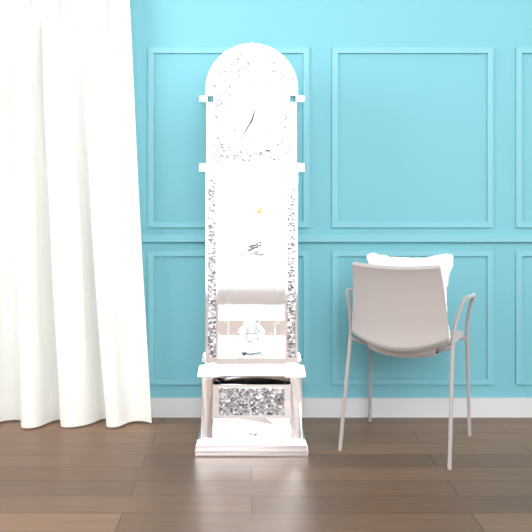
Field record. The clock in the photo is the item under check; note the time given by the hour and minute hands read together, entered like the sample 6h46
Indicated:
12h35
